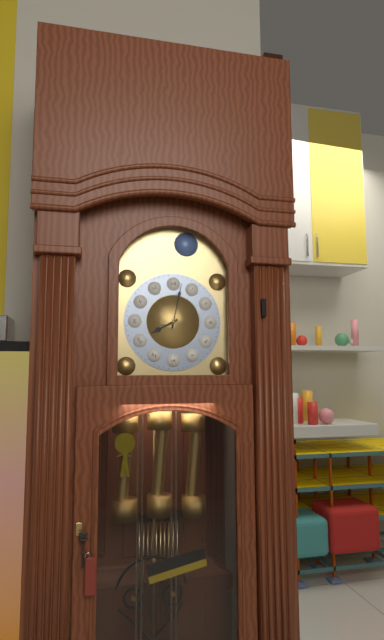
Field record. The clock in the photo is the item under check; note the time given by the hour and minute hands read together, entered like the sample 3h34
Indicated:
8h02
